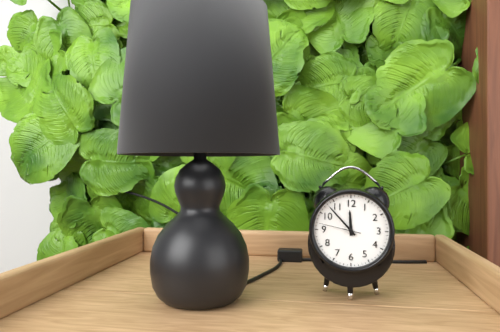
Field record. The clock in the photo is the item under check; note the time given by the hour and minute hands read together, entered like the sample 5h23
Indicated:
11h53
